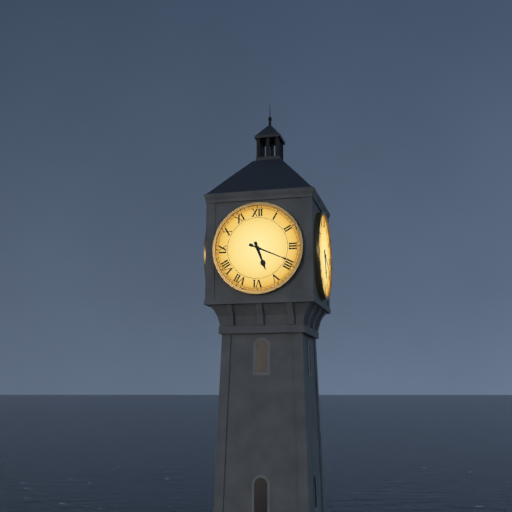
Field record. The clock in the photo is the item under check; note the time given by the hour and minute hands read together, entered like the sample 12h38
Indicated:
5h19
